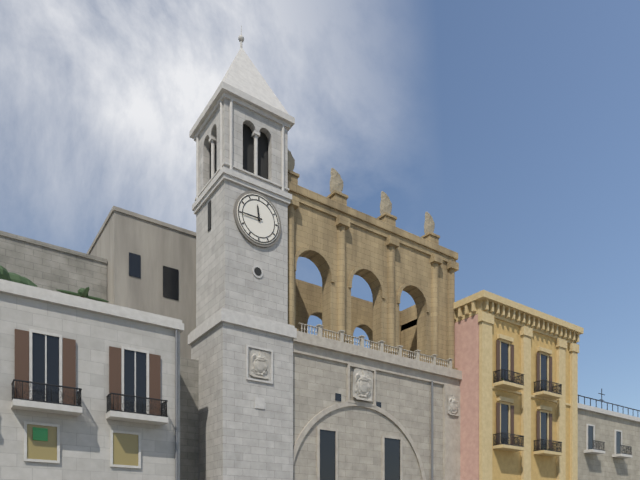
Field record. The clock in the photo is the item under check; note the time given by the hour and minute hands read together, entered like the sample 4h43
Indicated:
11h45
